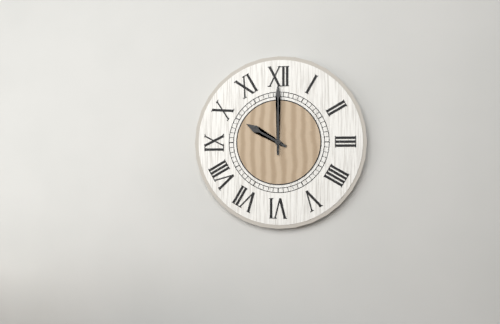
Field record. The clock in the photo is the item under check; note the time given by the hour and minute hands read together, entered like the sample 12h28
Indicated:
10h00
